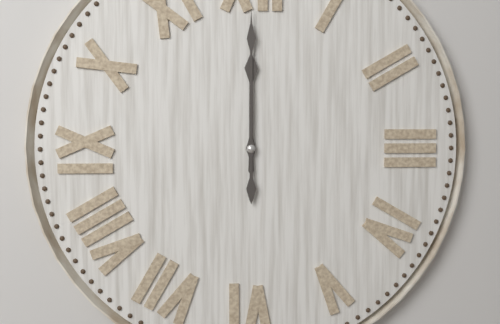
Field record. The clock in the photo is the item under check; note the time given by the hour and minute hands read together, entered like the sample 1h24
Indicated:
12h00
